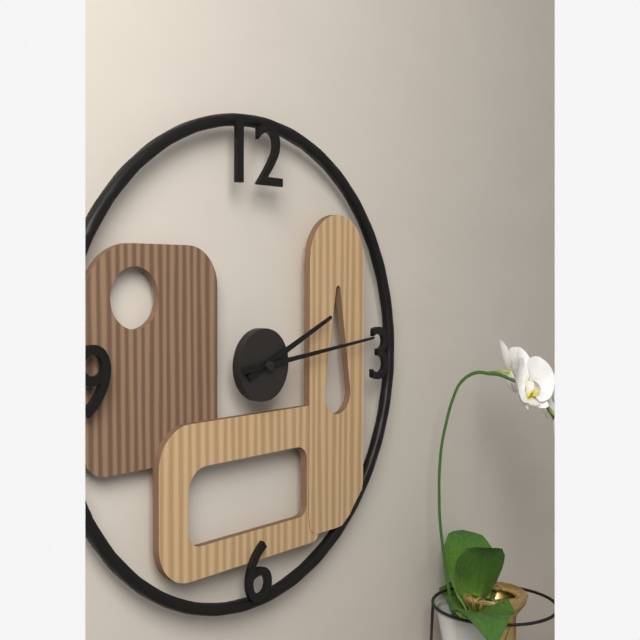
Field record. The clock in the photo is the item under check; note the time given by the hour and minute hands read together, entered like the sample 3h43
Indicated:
2h14
